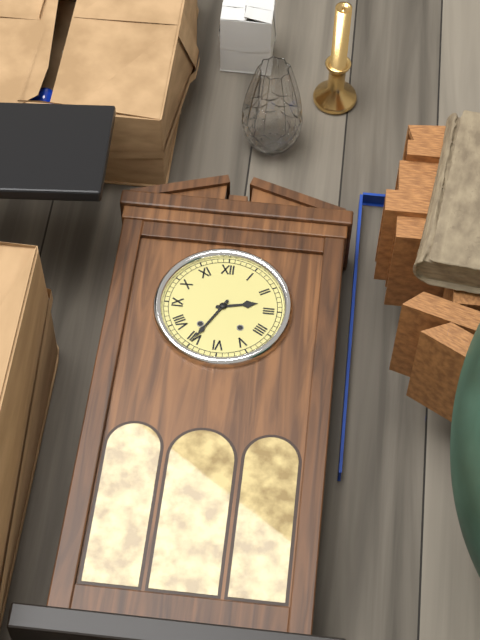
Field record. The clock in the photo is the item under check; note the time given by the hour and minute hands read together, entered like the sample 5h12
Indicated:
2h35
